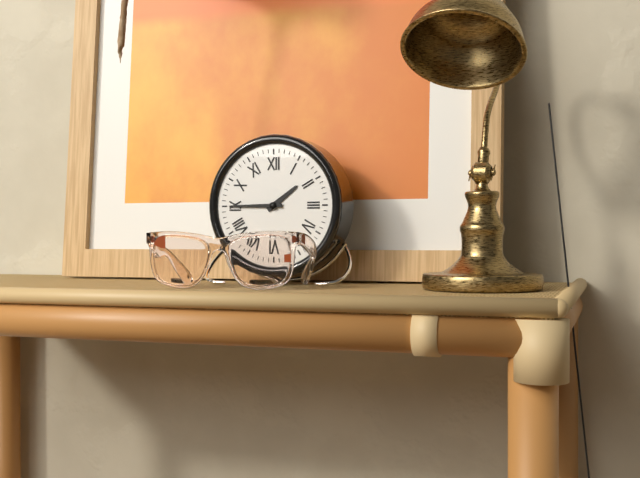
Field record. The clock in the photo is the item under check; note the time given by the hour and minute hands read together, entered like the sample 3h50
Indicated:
1h45
